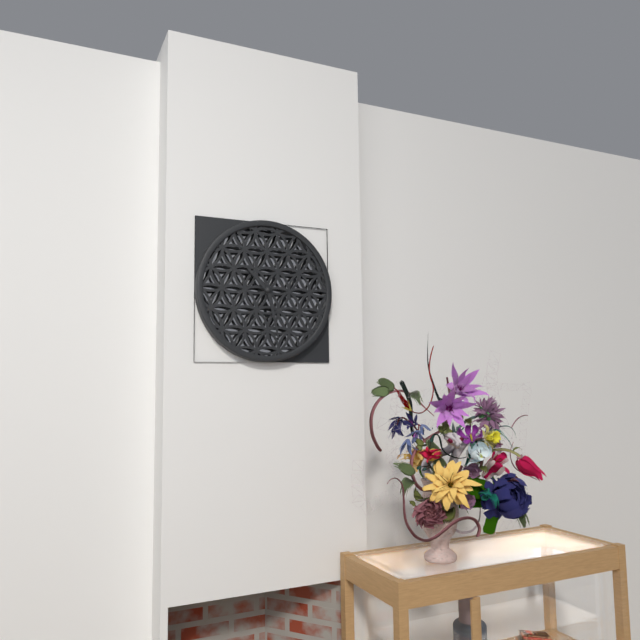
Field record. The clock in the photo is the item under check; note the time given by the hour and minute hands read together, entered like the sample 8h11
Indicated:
10h28
